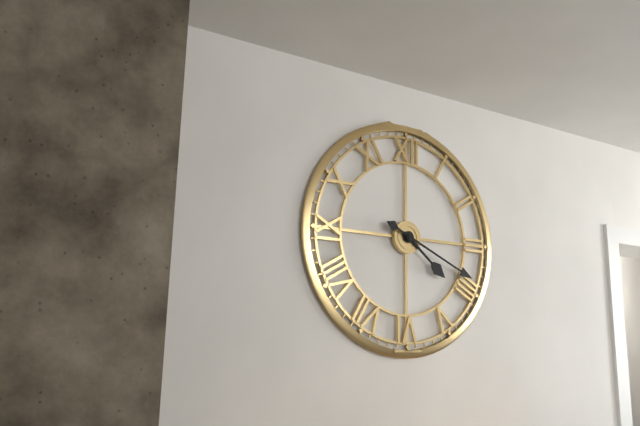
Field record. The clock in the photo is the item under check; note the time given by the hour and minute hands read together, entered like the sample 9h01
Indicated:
4h19
